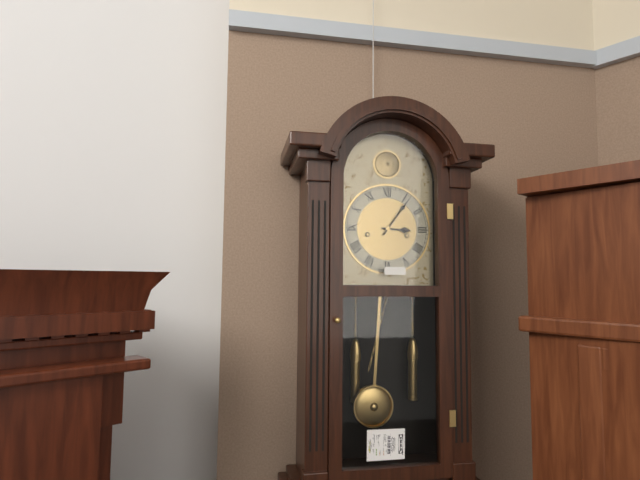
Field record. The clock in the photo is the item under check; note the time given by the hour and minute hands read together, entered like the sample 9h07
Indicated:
3h06
